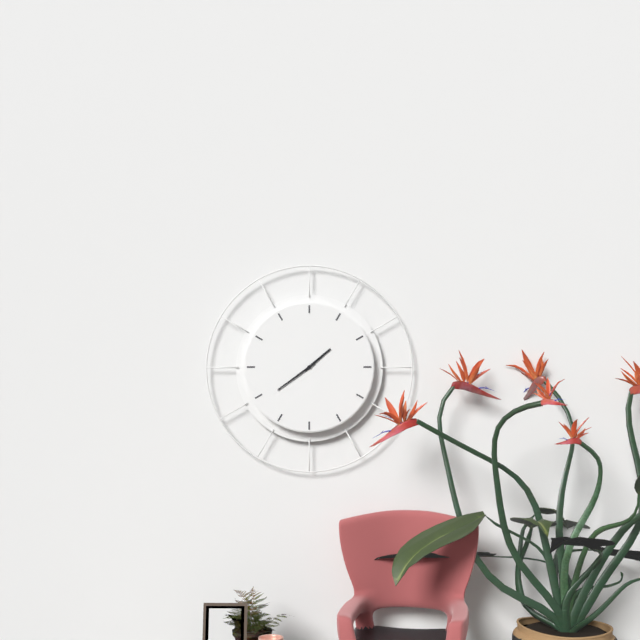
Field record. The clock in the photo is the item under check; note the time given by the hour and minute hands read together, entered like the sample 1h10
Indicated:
1h39
